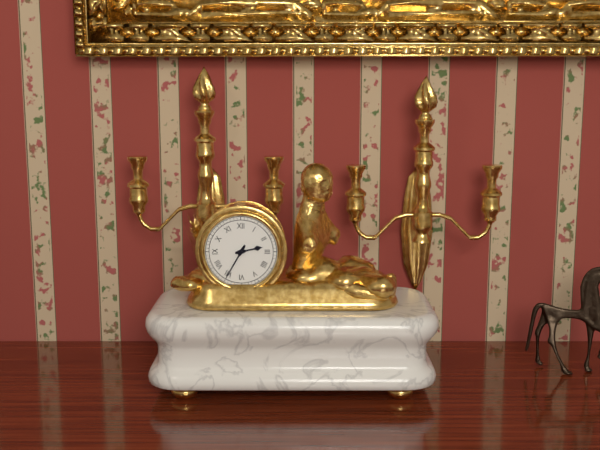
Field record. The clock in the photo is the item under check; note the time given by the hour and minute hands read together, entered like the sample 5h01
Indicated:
2h35
